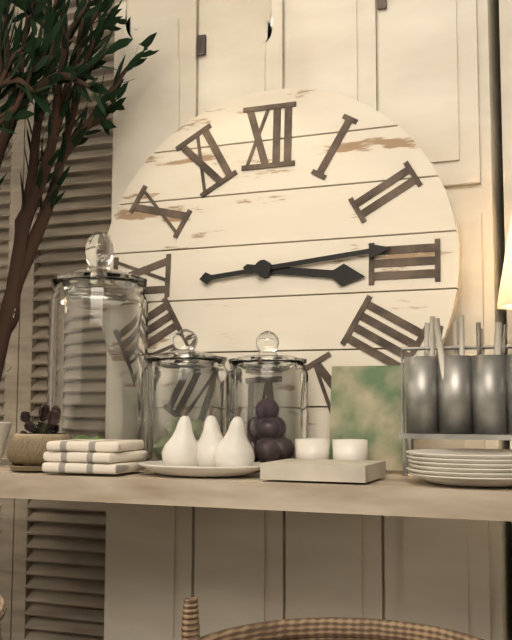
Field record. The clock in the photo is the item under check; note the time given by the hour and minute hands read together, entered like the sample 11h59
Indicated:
3h14
